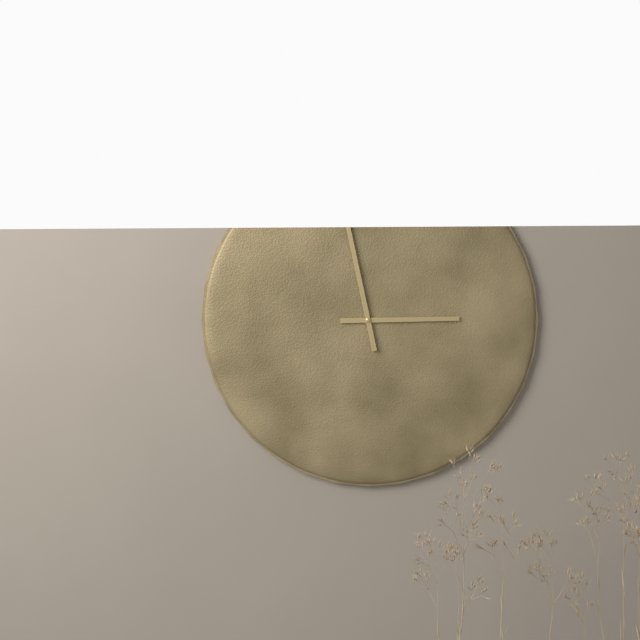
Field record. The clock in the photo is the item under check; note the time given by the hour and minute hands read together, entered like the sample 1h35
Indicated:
2h58
